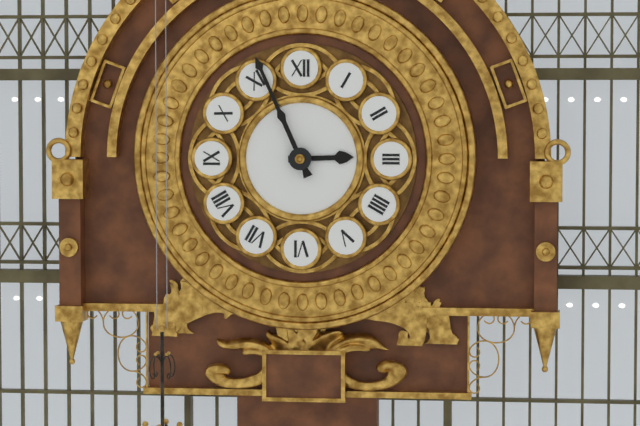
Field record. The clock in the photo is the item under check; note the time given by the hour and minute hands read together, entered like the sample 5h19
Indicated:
2h56
